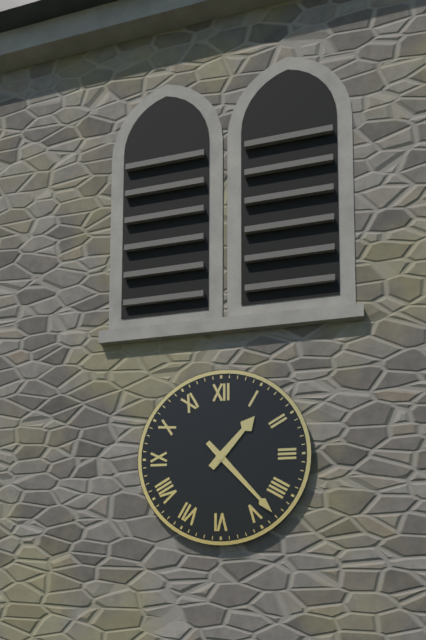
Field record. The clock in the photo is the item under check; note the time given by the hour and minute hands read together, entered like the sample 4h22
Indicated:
1h23
